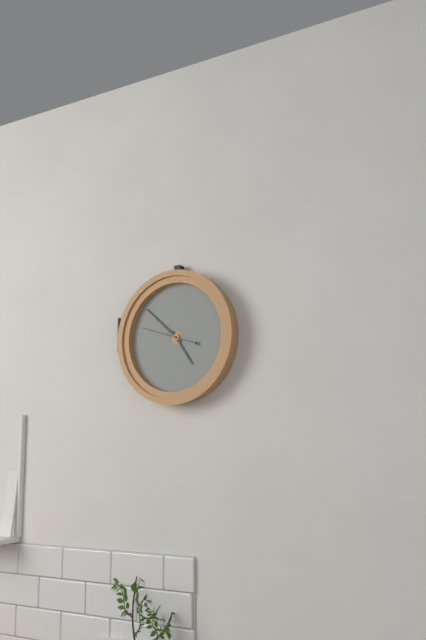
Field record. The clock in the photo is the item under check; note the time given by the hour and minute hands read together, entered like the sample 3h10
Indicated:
4h52
